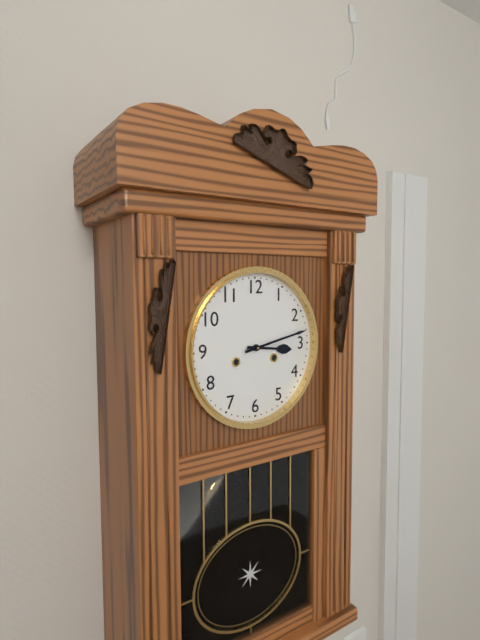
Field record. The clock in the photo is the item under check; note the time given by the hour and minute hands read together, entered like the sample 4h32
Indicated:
3h13
